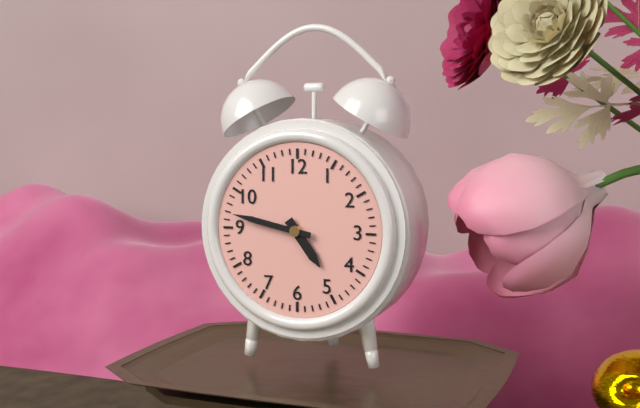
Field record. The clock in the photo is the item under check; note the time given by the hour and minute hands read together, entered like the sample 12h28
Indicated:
4h47
